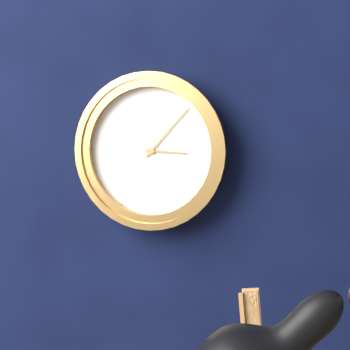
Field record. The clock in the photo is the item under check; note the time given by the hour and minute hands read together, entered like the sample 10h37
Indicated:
3h07
